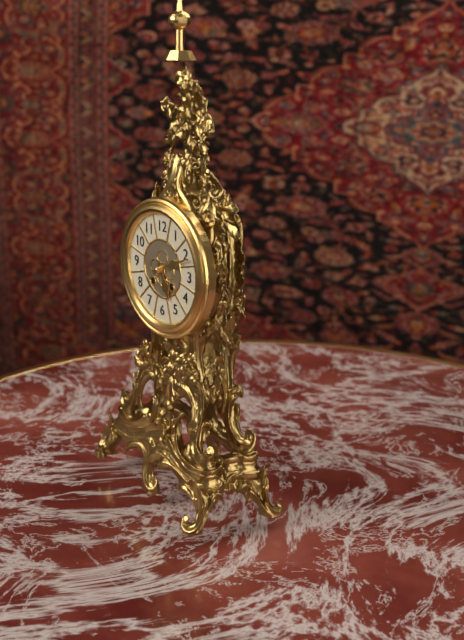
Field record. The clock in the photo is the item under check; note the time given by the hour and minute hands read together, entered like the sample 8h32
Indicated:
5h11
